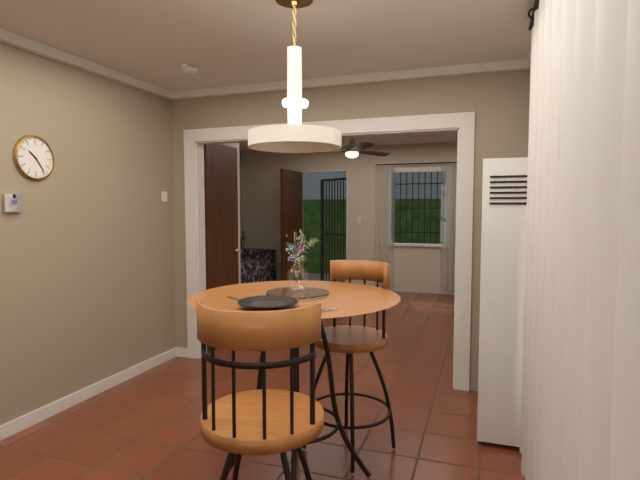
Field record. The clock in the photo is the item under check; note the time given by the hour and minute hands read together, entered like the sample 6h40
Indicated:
10h24
